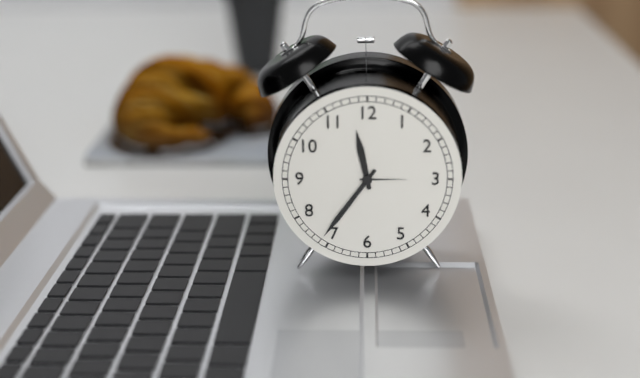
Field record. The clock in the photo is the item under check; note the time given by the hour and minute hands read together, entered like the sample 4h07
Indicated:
11h36
